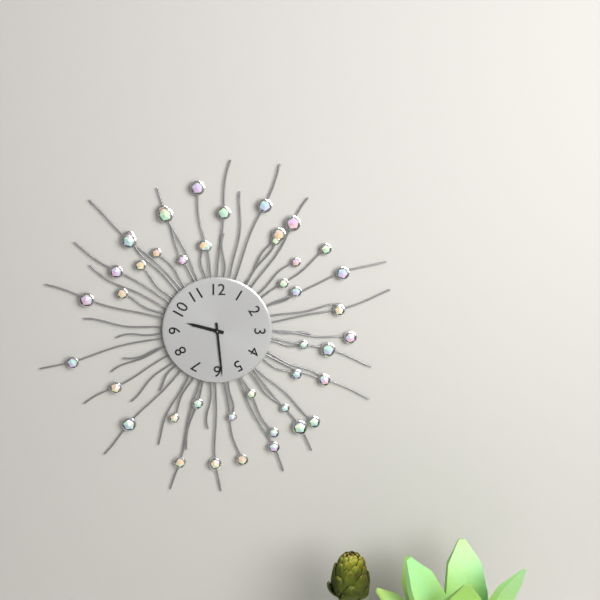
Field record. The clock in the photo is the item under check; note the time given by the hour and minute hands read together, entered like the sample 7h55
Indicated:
9h29
